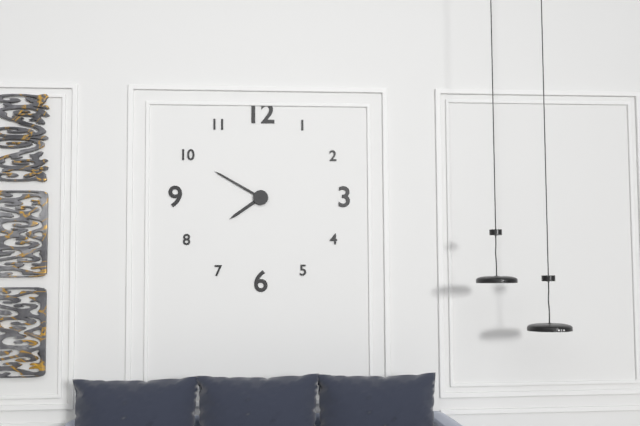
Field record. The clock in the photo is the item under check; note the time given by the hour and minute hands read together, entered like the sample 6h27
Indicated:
7h50
